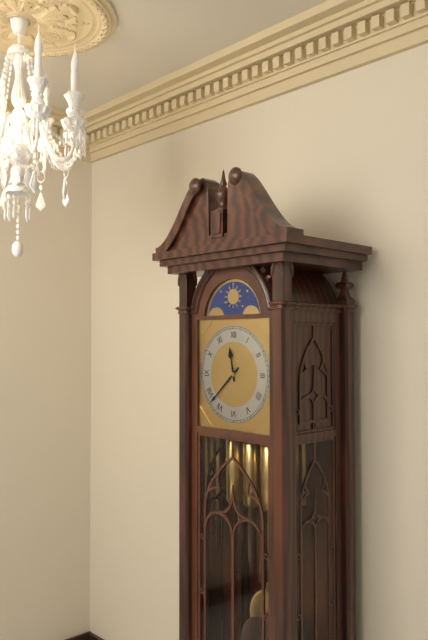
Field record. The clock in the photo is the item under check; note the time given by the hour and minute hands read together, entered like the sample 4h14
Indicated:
11h38
